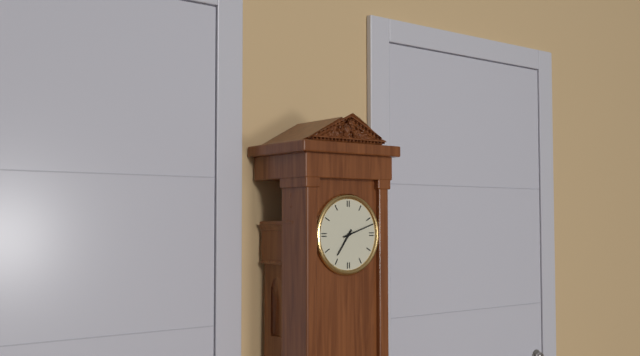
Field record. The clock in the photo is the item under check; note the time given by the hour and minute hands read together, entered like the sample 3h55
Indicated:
7h12
